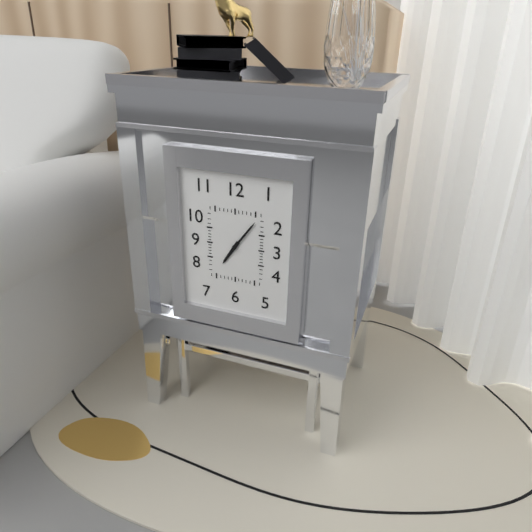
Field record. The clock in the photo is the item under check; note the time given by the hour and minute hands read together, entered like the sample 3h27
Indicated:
7h06
